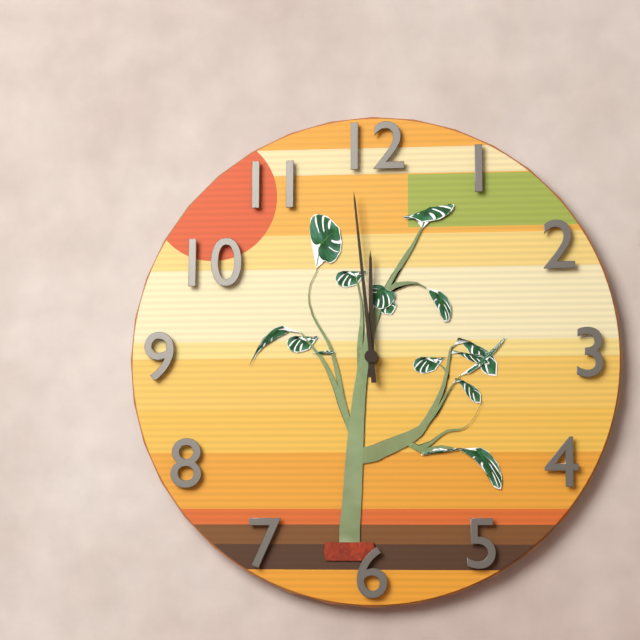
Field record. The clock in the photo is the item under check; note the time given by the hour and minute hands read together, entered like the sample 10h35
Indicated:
11h59
